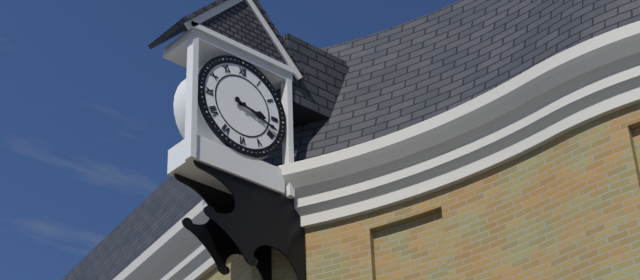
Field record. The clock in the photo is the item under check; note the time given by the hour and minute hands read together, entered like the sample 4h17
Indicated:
3h18
